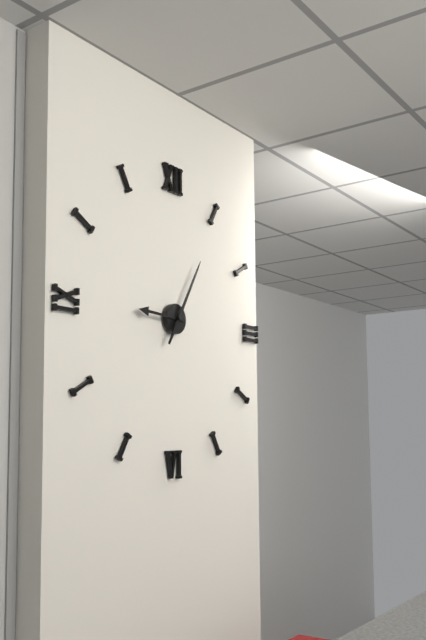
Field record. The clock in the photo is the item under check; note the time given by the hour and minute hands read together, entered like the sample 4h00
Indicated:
9h05
